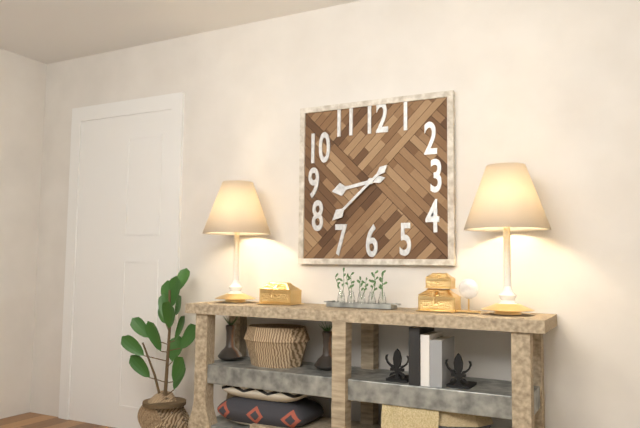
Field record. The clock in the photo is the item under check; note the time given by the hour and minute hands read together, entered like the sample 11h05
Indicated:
8h38
